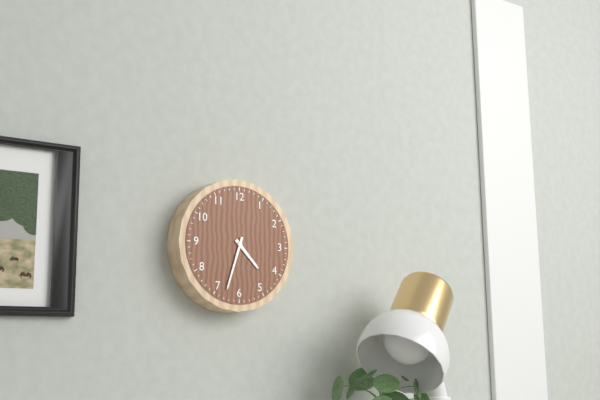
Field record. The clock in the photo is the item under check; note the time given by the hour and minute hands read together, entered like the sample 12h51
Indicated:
4h33
